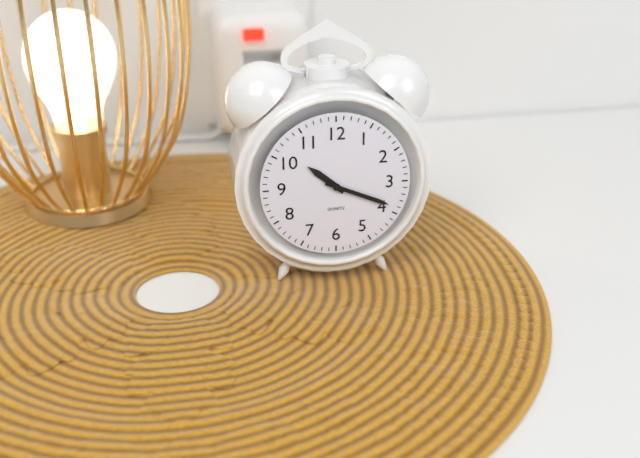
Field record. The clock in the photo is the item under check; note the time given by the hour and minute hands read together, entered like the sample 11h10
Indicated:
10h19
